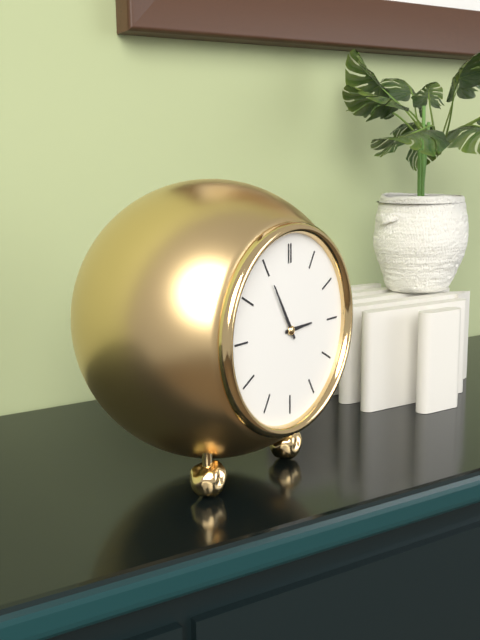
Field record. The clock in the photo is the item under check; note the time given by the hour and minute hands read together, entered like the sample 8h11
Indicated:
2h55
